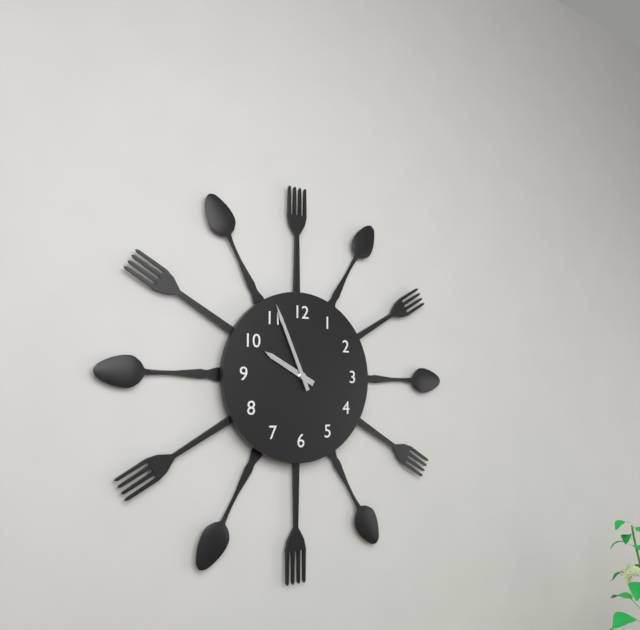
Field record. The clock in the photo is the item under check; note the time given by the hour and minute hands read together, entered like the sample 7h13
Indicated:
9h56
